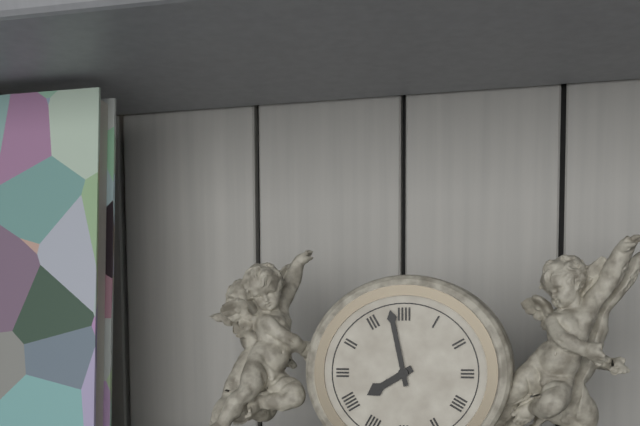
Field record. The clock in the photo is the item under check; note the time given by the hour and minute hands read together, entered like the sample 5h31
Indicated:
7h58
